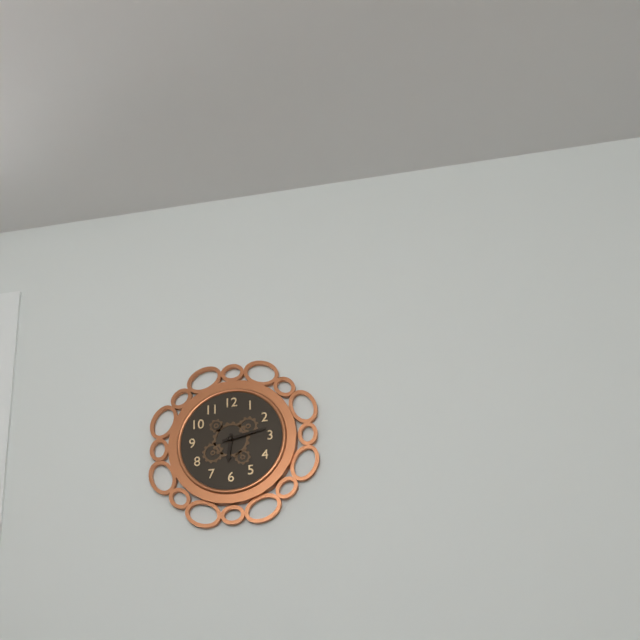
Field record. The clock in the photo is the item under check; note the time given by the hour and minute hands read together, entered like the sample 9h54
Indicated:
6h13
